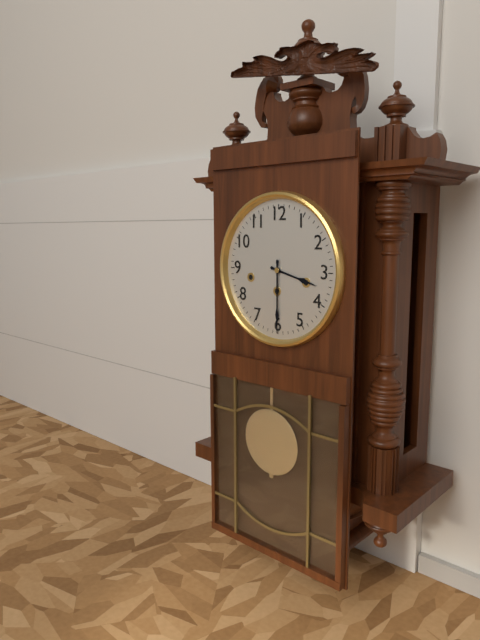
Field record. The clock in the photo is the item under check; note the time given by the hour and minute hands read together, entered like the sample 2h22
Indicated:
3h30
